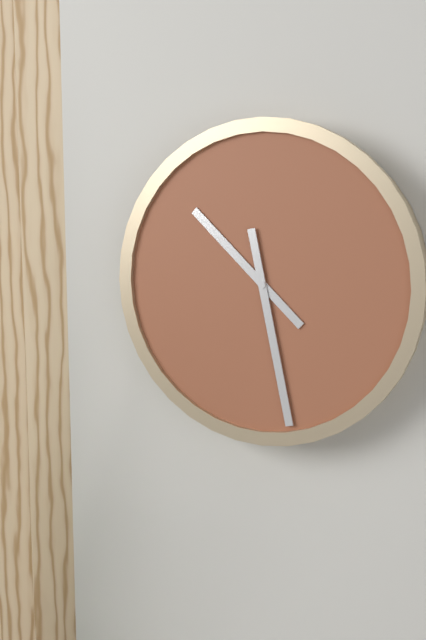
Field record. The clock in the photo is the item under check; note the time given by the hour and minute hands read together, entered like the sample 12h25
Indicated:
10h28
